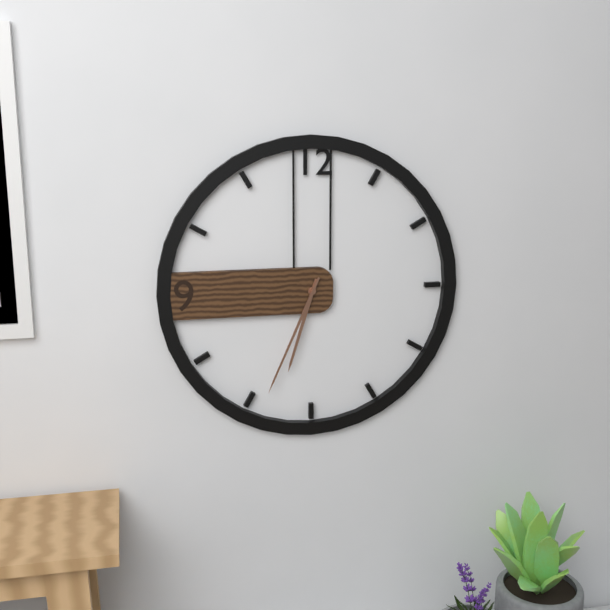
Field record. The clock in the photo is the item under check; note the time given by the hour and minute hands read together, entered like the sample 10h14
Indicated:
6h34
